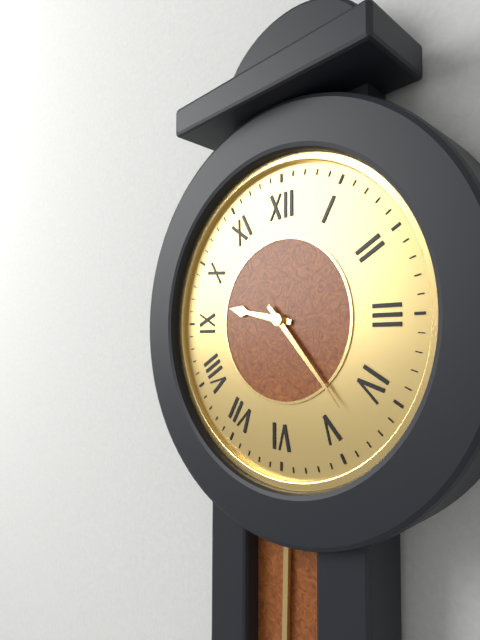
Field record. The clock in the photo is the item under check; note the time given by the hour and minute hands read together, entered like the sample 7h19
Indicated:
9h23
